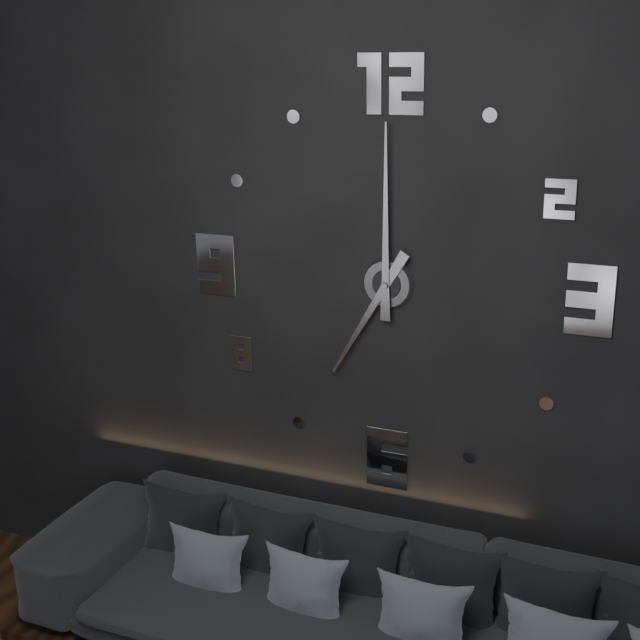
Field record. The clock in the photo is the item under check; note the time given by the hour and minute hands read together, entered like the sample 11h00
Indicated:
7h00
